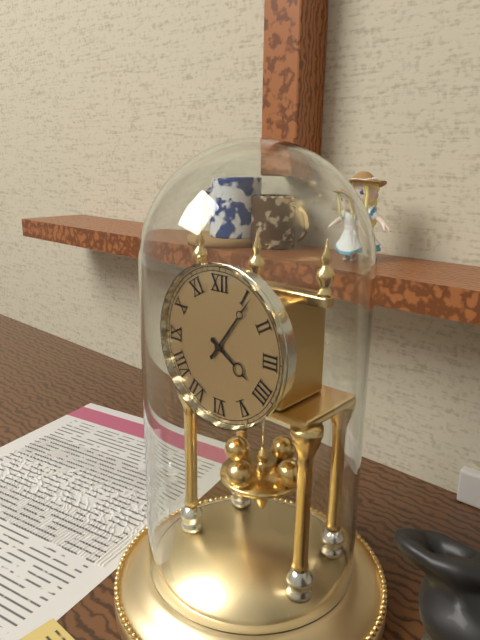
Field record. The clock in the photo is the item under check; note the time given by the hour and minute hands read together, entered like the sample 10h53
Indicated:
4h06
